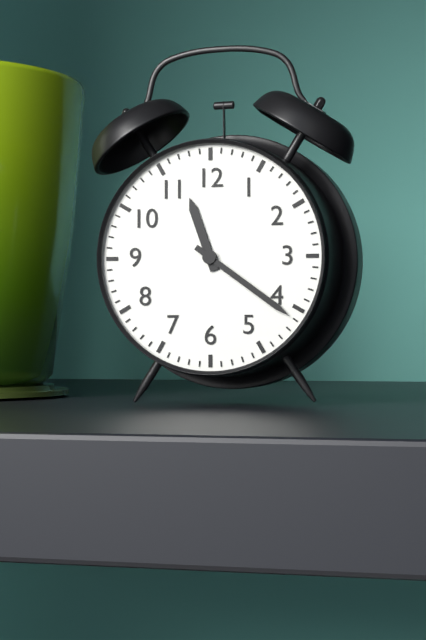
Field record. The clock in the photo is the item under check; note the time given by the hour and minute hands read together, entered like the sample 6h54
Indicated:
11h21
